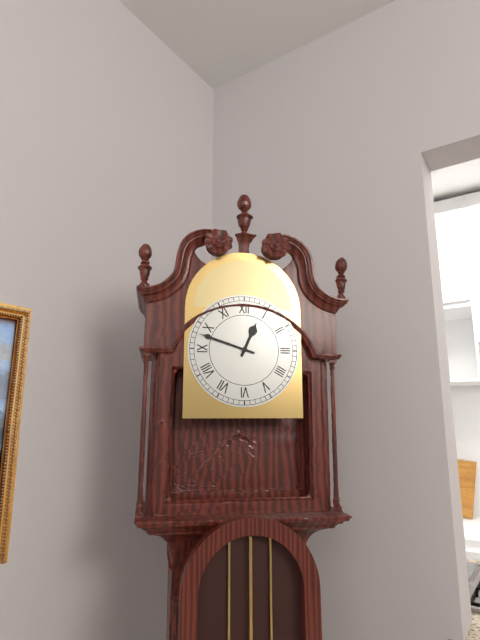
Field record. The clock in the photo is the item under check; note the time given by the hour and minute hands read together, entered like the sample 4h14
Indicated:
12h48
